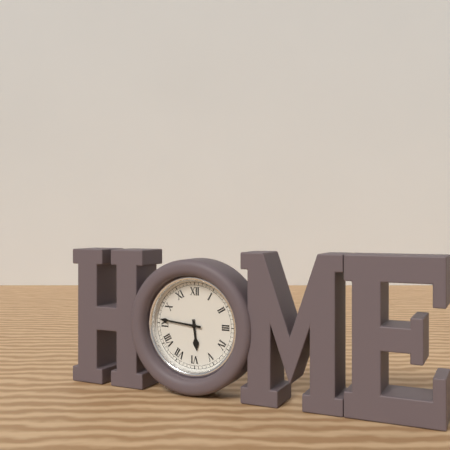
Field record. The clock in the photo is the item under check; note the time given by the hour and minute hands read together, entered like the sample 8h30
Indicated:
5h46
